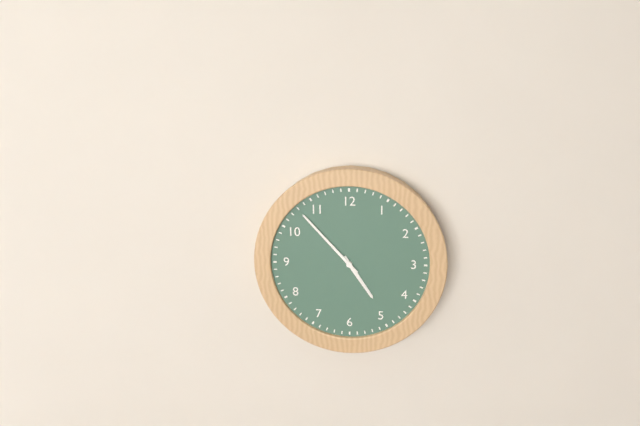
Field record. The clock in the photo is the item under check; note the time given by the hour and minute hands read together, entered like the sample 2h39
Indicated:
4h53
